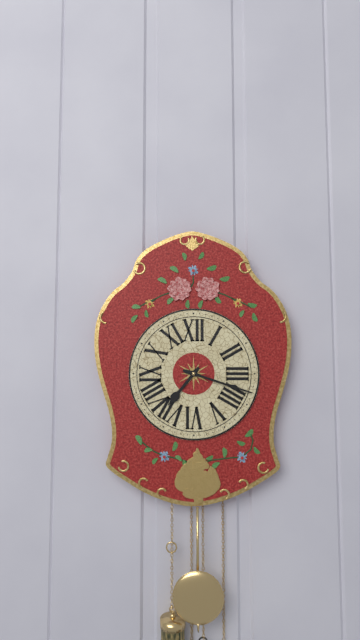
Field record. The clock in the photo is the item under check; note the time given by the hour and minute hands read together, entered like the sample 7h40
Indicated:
7h18
